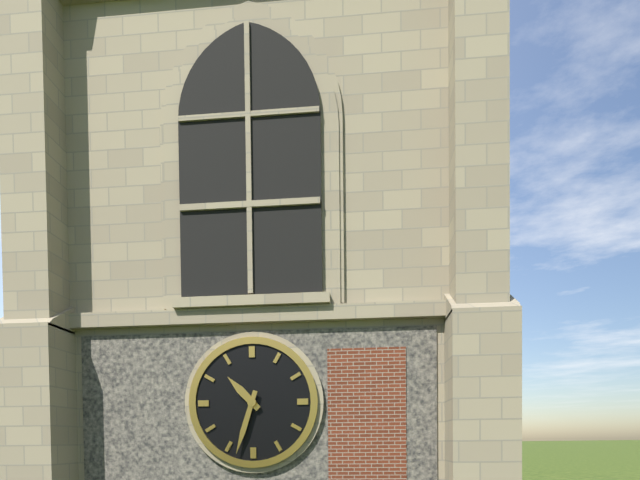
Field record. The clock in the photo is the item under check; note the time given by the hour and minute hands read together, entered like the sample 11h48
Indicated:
10h33
